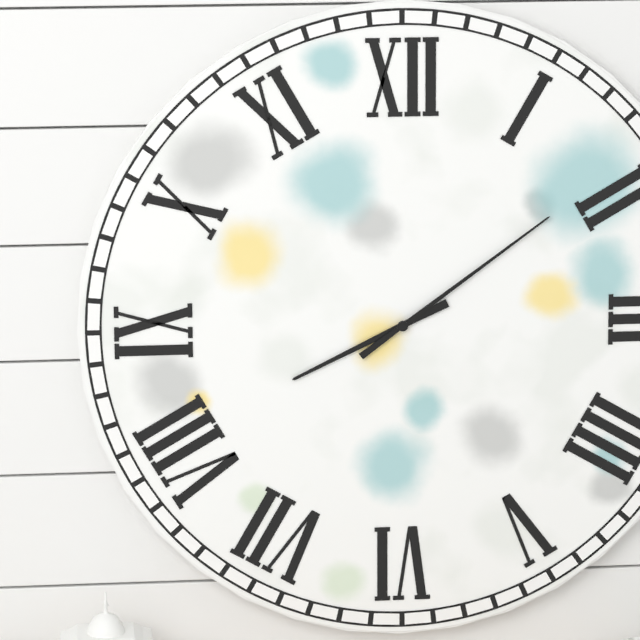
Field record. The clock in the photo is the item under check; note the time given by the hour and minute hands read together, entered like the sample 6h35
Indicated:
8h09
